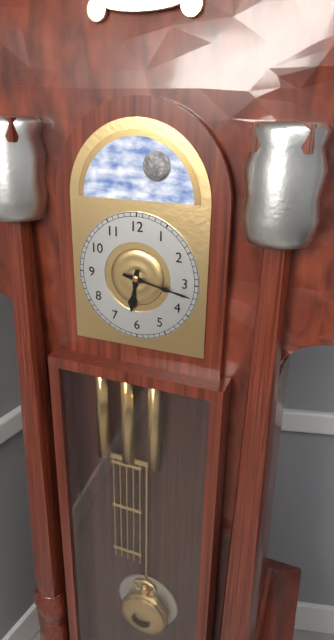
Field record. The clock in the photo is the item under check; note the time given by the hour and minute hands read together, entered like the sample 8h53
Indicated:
6h17
